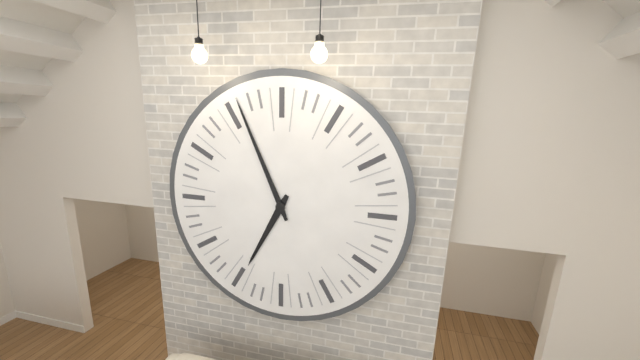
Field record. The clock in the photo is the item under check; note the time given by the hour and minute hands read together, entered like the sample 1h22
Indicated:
6h56
